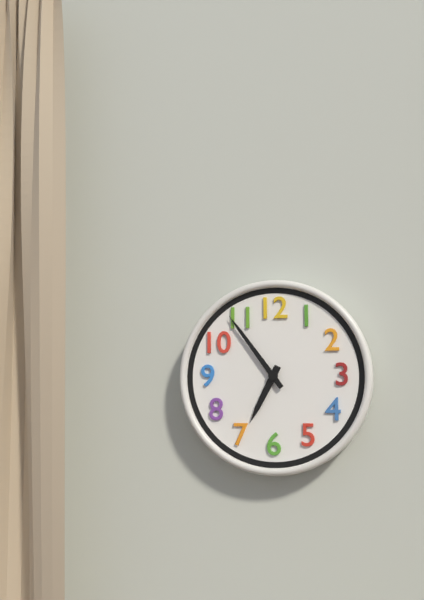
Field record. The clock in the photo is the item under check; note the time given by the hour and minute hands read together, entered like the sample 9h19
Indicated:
6h54
